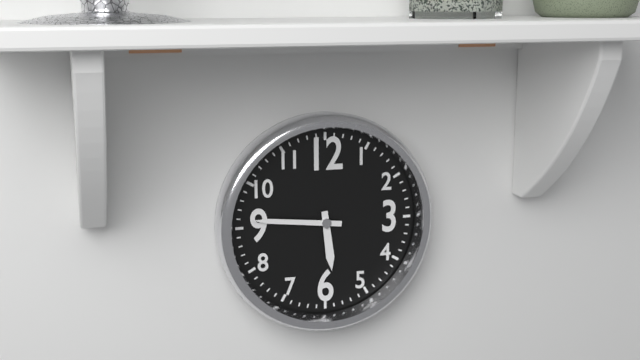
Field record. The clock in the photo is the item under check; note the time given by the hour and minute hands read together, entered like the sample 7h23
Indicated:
5h46
